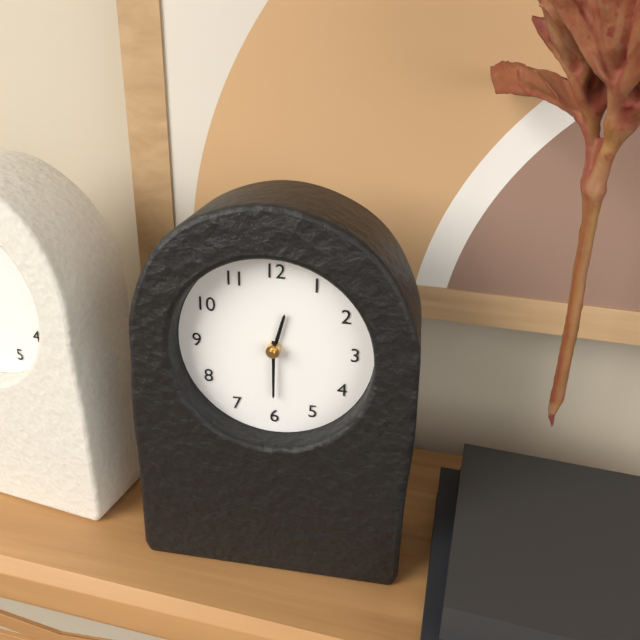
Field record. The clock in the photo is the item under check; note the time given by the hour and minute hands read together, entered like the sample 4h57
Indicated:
12h30
